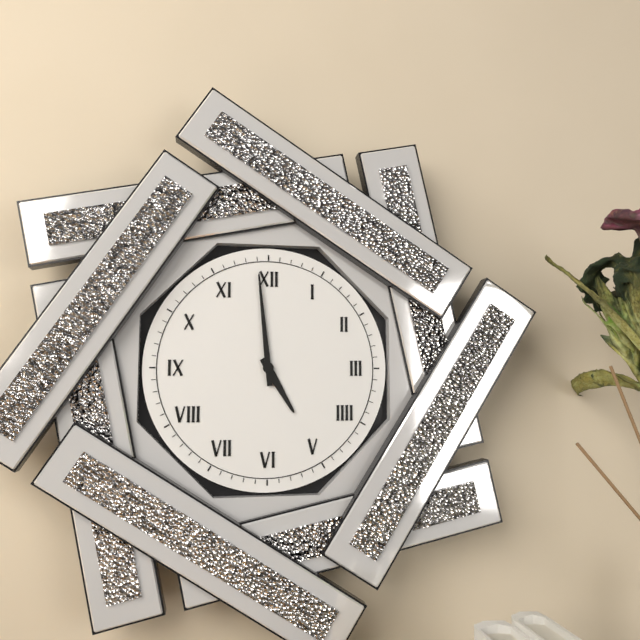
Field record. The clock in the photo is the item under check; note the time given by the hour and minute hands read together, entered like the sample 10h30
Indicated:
4h59
